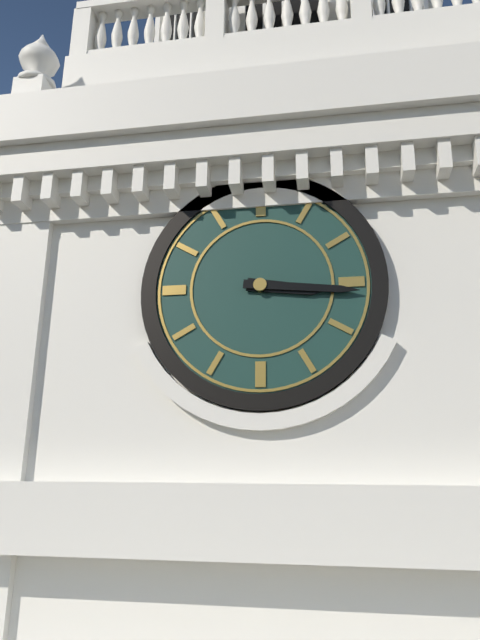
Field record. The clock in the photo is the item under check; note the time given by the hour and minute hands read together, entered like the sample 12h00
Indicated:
3h16
